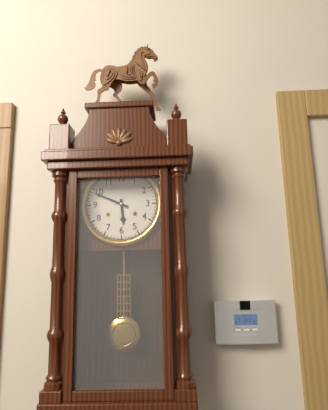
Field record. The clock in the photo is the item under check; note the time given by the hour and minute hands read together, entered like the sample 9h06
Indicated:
5h49
